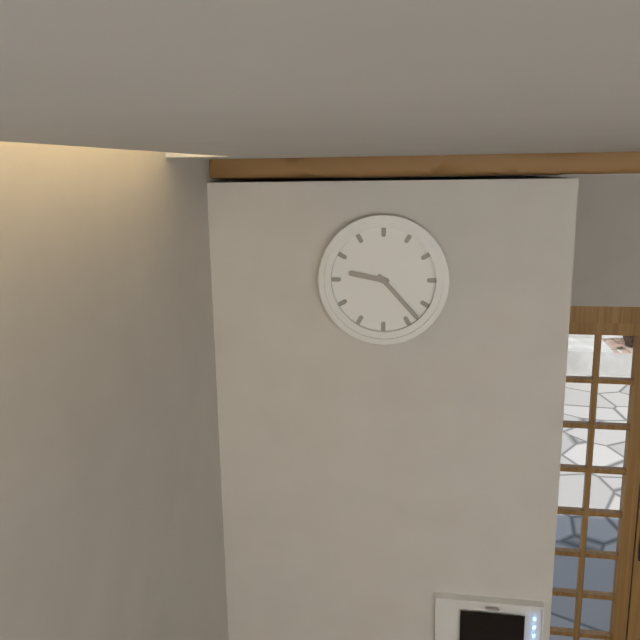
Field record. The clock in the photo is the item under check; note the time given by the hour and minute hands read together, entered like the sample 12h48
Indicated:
9h23
